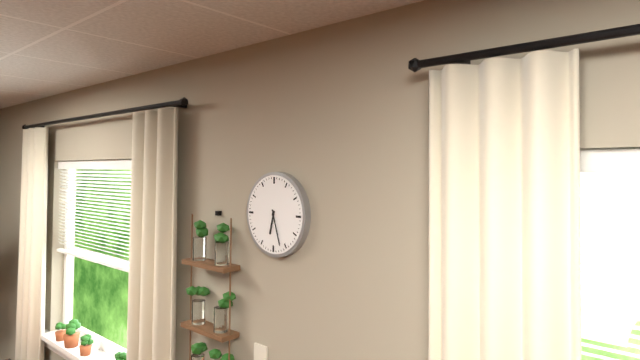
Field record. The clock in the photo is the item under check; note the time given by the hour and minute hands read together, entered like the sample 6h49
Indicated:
6h27
